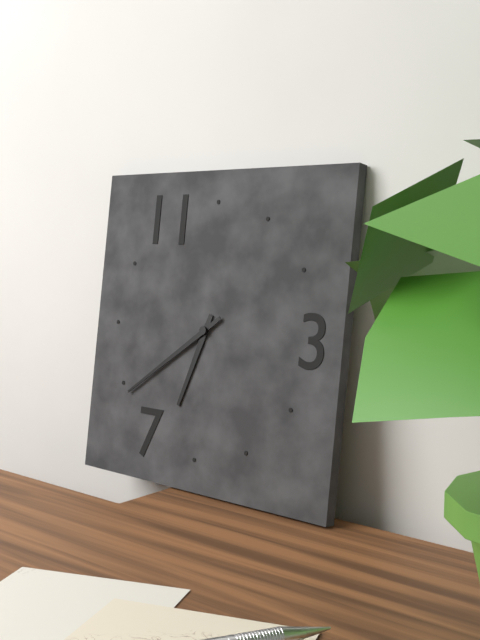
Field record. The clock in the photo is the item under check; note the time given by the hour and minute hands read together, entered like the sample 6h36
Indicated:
6h39
